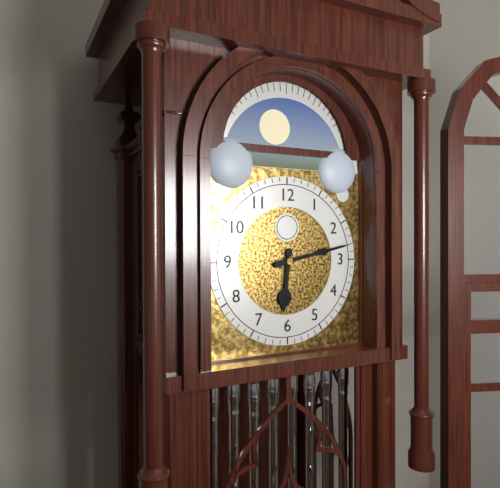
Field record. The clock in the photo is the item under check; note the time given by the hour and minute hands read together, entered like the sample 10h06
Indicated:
6h13
